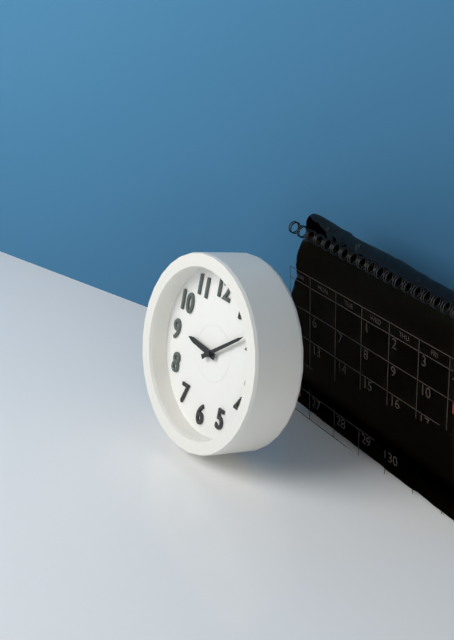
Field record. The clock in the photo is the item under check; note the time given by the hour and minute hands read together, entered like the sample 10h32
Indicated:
9h09
